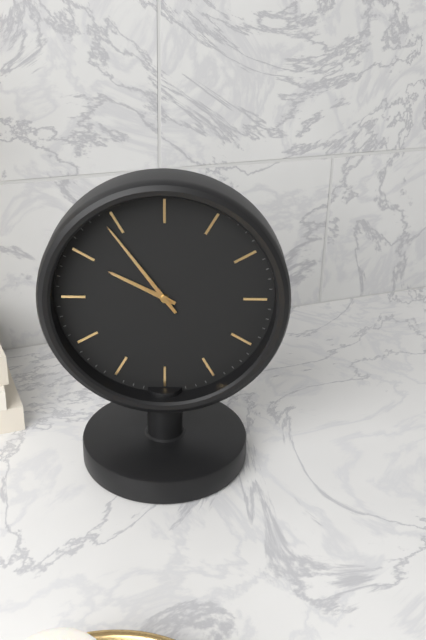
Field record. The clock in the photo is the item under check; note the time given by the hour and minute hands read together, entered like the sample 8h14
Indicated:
9h54
